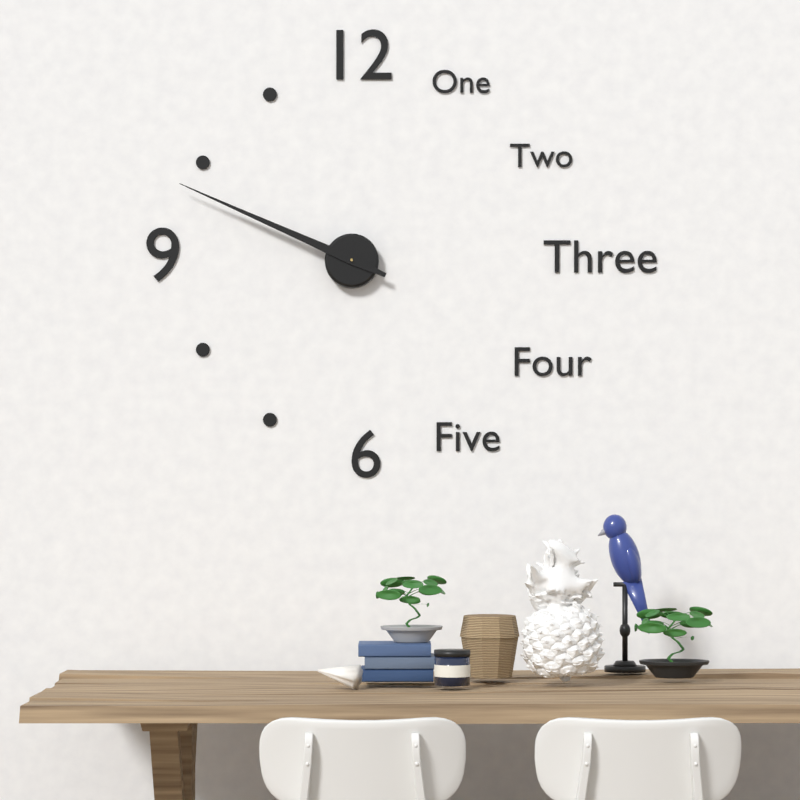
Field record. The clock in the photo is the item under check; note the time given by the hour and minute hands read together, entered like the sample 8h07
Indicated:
9h49
